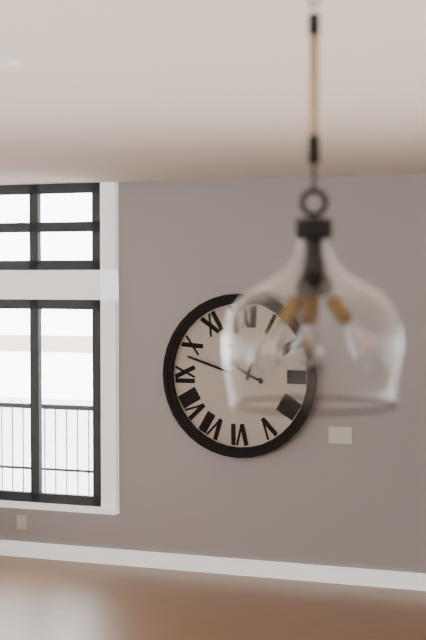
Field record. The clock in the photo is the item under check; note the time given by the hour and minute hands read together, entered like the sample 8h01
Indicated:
12h48
